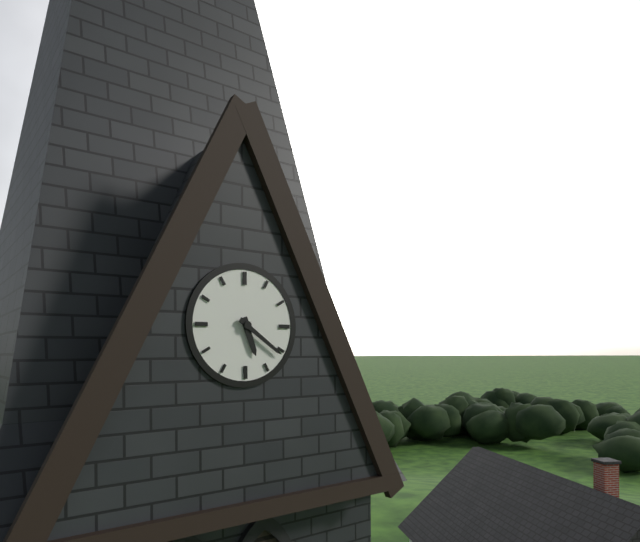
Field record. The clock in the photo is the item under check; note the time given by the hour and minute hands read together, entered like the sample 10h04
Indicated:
5h21
